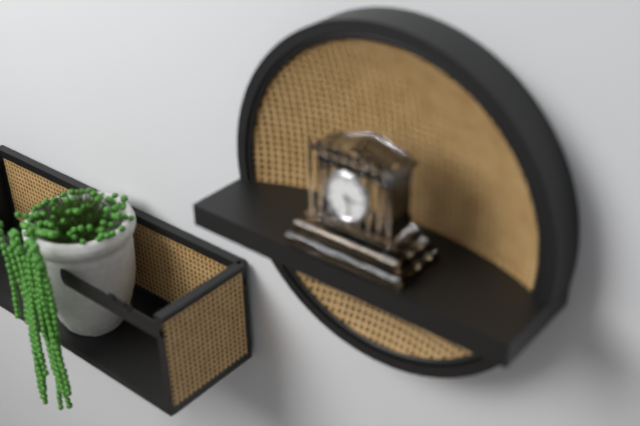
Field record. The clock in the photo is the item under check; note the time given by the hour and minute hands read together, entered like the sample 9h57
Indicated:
3h27
